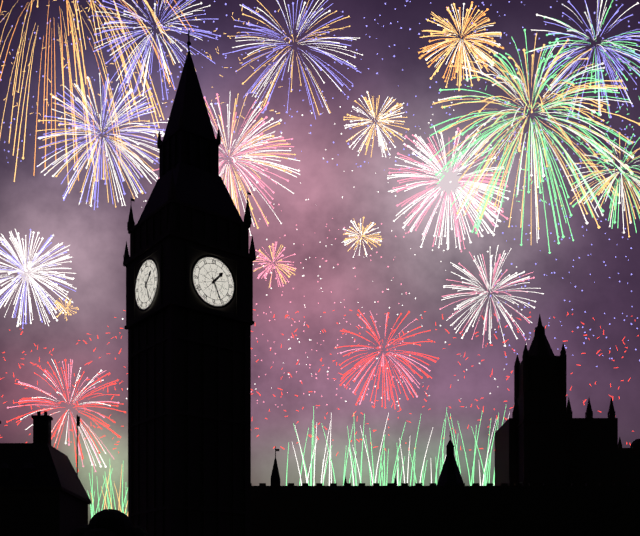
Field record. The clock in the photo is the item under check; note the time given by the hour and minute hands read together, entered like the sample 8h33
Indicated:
1h26
